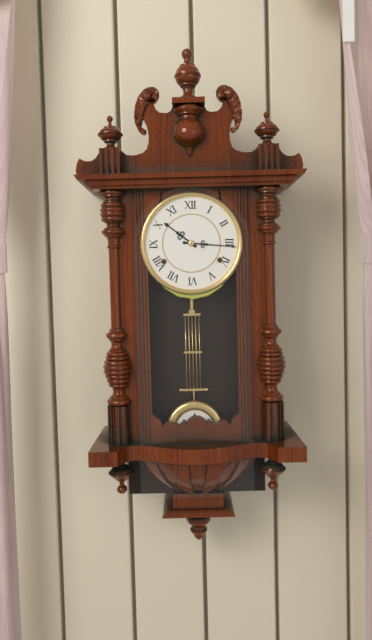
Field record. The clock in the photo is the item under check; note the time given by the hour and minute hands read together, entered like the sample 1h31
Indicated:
10h16
